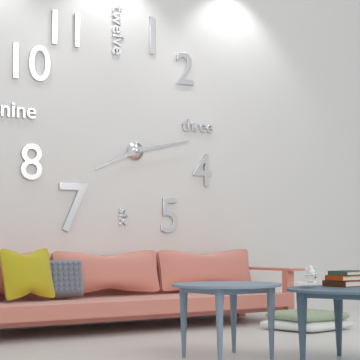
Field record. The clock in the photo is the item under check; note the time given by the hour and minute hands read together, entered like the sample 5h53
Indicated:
8h13
